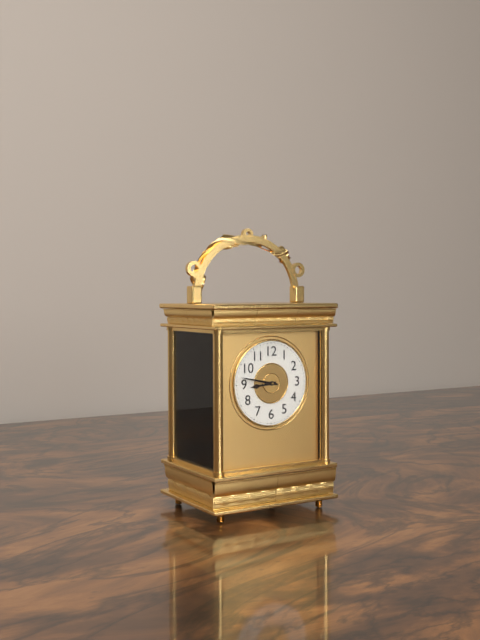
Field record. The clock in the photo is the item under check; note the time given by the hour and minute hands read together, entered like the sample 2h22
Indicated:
8h47
